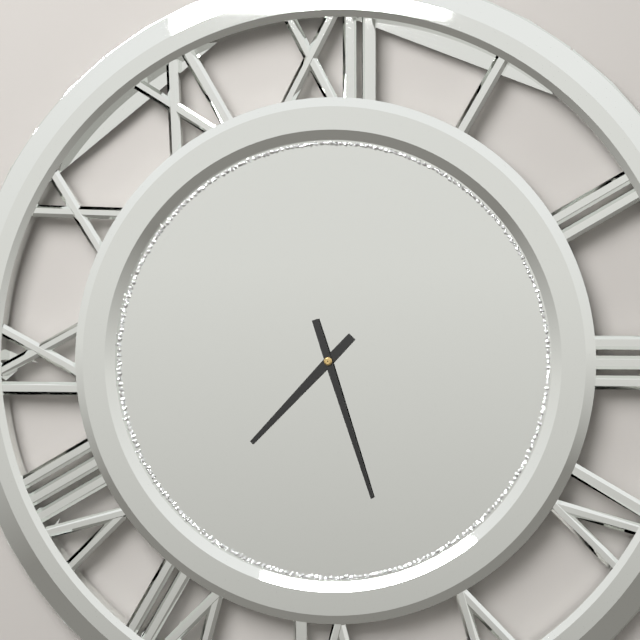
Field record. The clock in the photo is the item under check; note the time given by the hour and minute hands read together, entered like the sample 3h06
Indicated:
7h27
